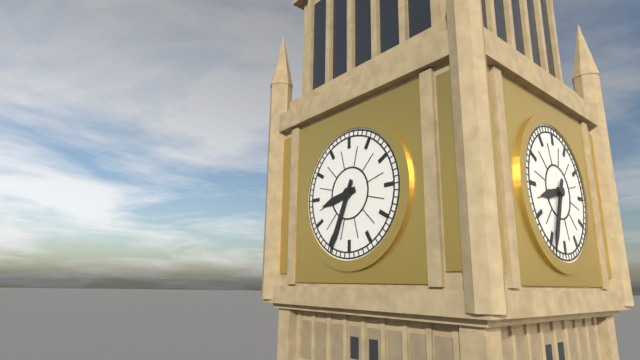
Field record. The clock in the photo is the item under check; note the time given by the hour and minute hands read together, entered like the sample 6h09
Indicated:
8h34
